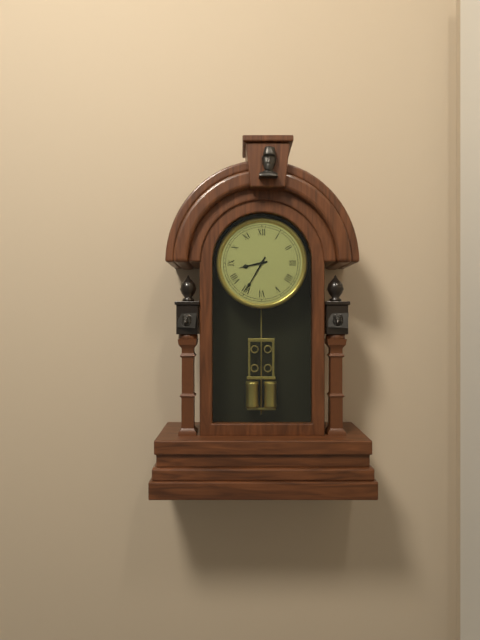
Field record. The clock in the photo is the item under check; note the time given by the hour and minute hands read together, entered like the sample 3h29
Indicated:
8h35
